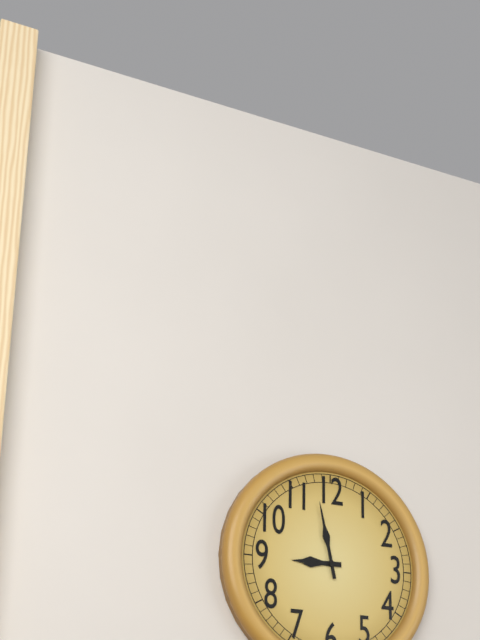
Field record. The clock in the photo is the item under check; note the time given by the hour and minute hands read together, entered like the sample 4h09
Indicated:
8h58
